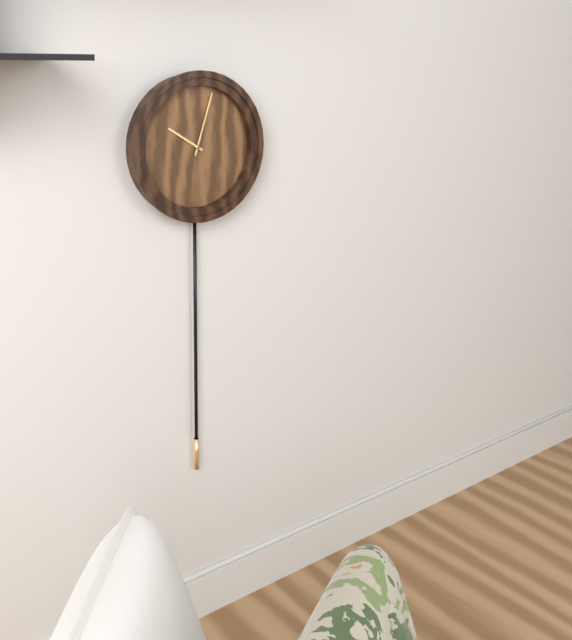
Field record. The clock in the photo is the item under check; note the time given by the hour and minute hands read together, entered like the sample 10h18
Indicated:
10h03
